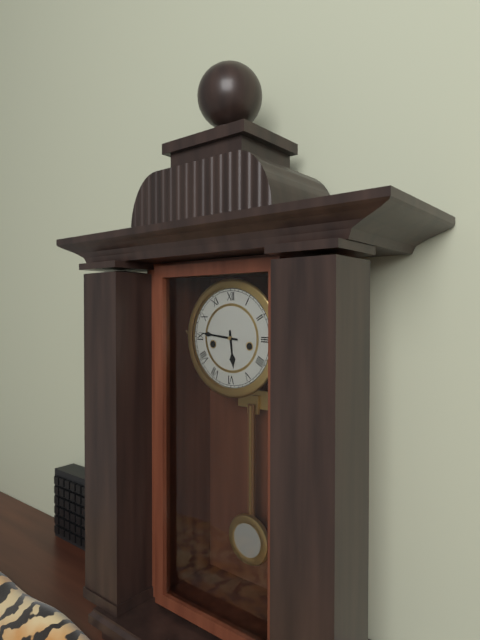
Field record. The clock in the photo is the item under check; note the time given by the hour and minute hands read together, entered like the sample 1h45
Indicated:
5h46
